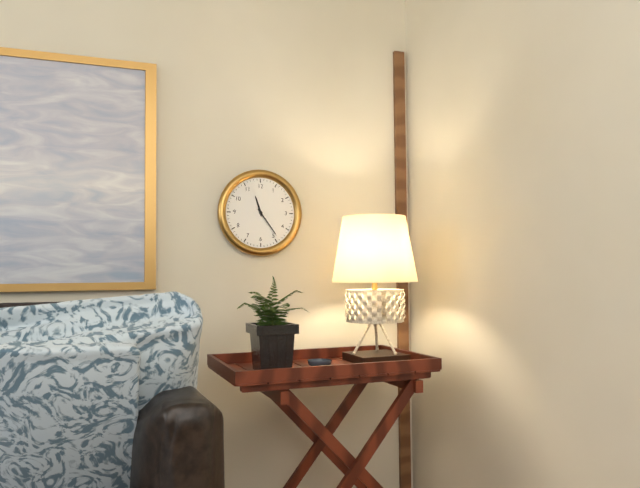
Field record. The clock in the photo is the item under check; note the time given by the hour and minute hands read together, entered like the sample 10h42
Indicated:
11h24
